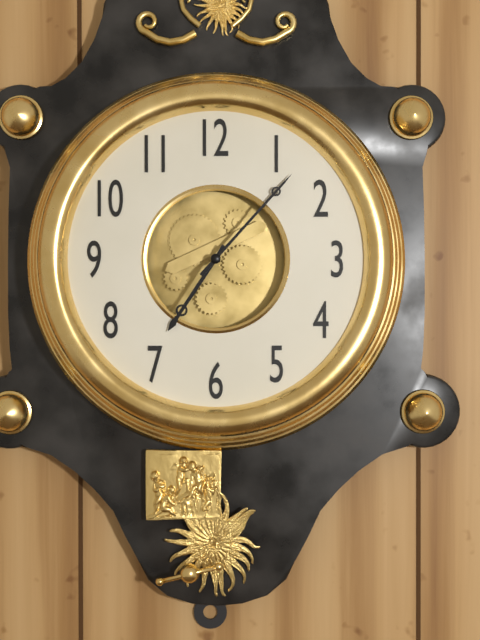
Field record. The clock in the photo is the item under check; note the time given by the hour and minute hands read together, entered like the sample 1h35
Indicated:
7h07
